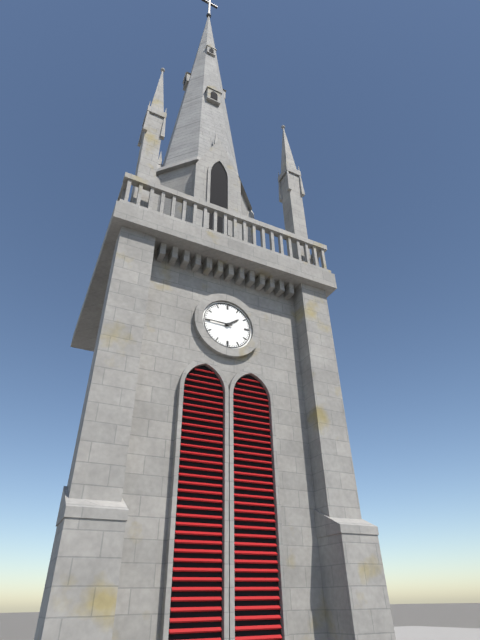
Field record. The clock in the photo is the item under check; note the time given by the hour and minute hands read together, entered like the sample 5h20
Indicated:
1h45
